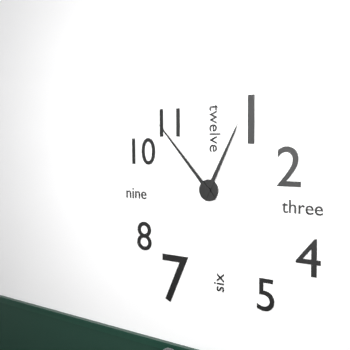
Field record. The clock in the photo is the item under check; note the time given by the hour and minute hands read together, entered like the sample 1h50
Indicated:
12h53
